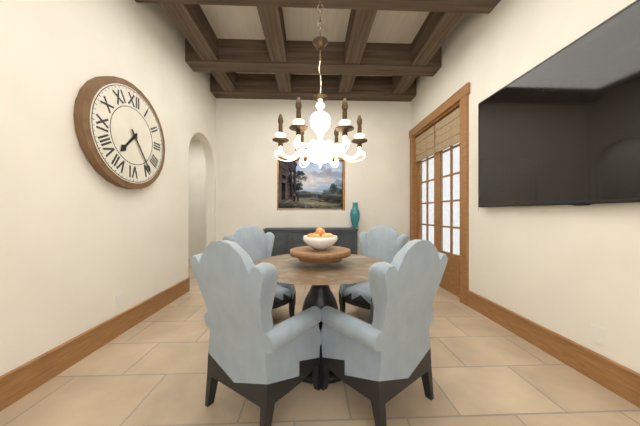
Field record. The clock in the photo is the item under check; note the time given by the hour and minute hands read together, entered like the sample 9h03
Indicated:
7h24
